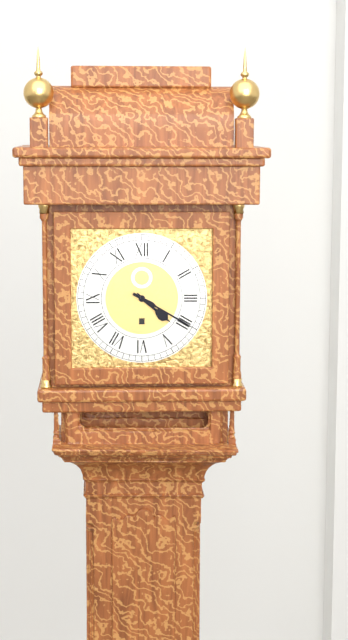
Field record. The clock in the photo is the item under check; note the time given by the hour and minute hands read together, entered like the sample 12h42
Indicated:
4h20
